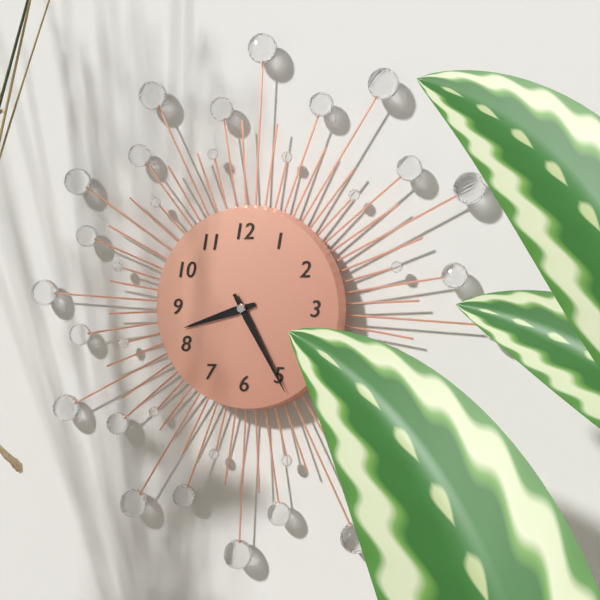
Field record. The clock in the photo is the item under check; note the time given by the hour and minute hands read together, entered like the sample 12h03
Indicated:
8h25
